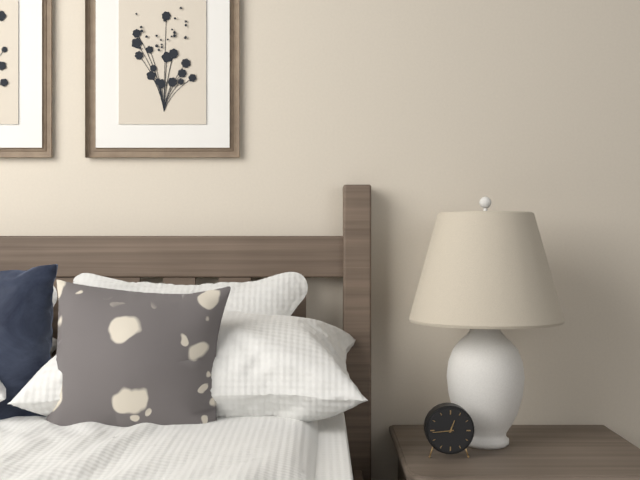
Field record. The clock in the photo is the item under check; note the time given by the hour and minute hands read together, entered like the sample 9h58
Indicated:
12h44
